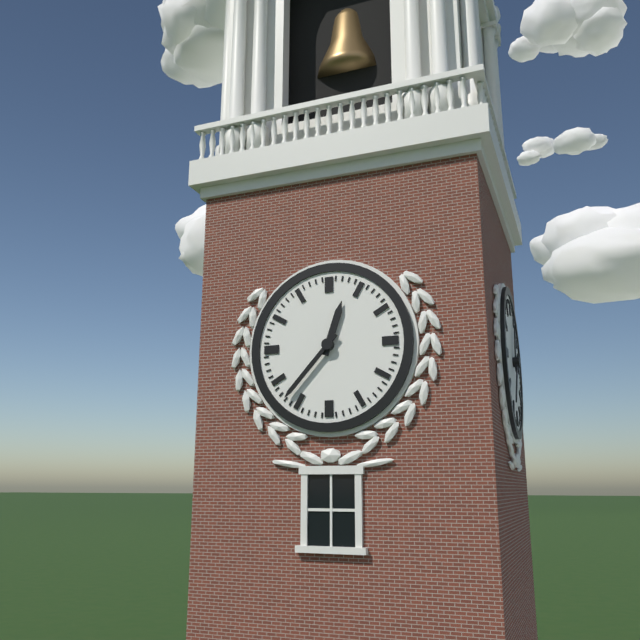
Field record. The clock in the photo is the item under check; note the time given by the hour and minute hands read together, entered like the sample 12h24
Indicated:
12h37
